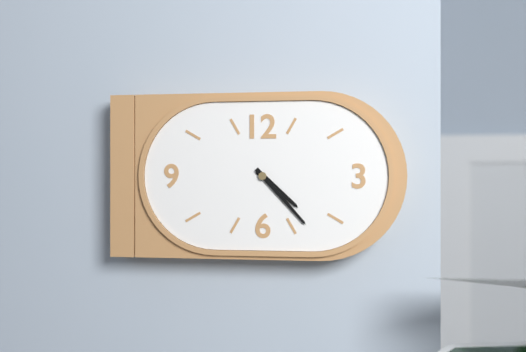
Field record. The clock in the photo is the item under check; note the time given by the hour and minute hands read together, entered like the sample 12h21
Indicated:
4h23
